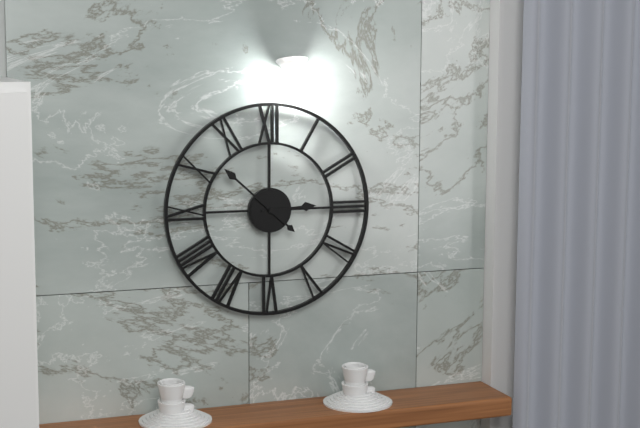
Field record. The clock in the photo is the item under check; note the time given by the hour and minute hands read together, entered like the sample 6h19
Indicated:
2h52
